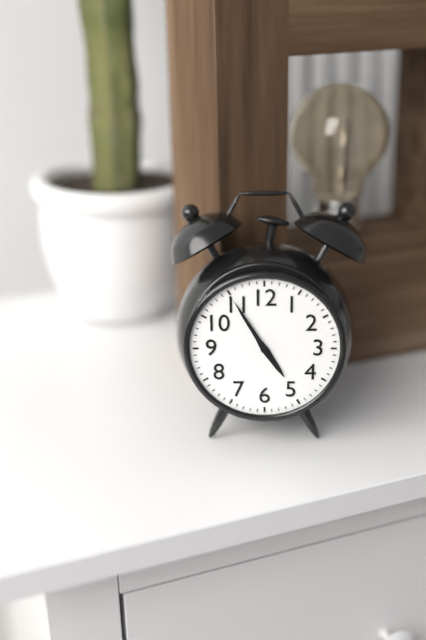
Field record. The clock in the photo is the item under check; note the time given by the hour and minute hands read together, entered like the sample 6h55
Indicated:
4h55
